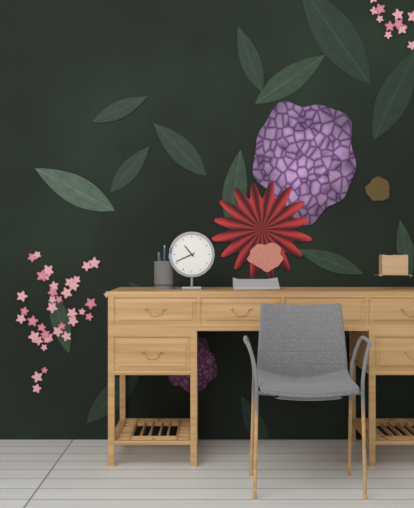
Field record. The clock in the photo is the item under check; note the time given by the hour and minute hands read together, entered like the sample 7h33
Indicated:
10h41
